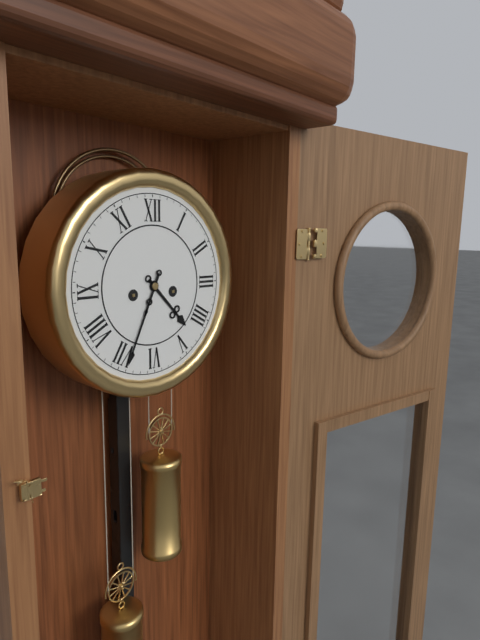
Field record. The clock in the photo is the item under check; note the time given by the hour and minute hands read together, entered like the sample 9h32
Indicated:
4h34
